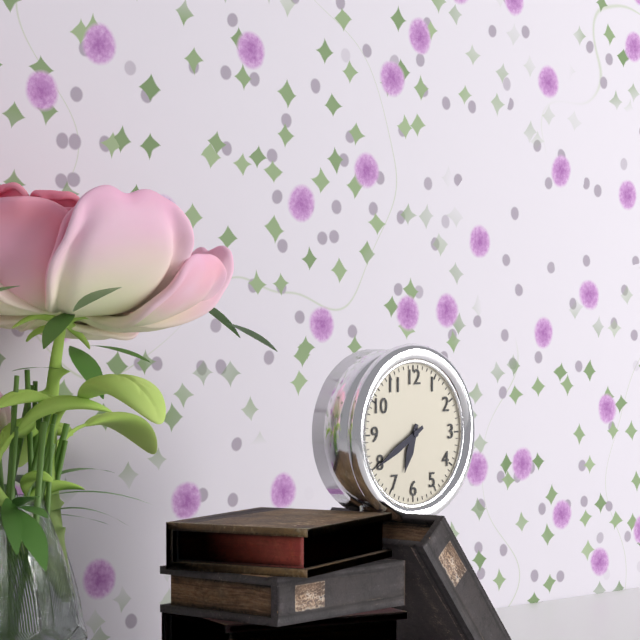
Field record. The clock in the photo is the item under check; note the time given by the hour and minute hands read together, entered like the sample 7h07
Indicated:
6h40
